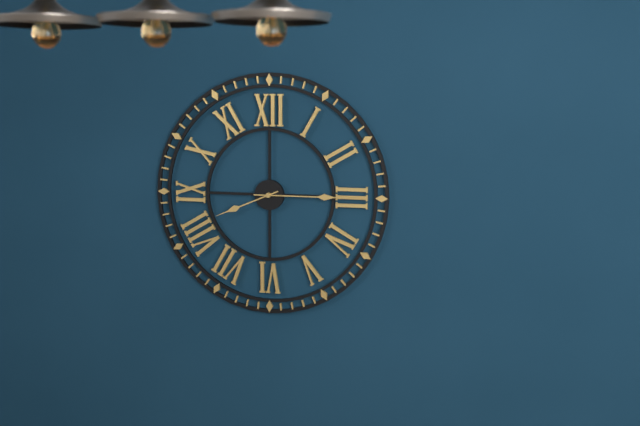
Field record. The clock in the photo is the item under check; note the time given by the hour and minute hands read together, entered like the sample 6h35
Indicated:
8h15
